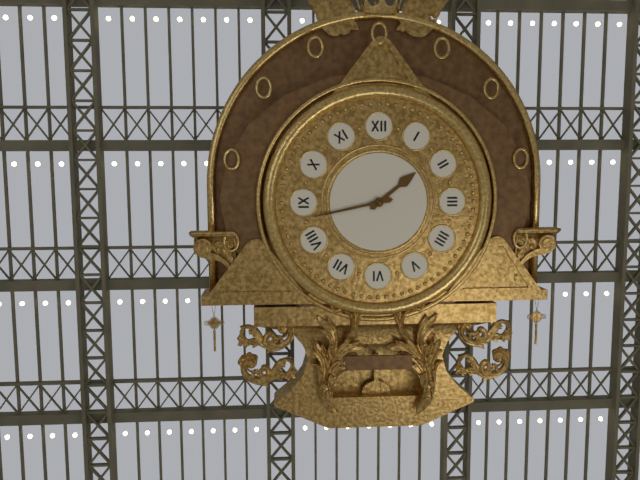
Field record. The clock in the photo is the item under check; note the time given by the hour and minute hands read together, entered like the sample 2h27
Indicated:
1h43
